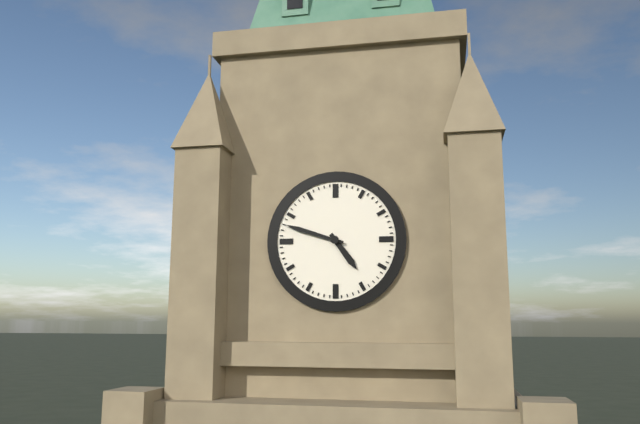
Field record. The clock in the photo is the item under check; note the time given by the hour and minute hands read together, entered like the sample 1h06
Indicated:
4h48
